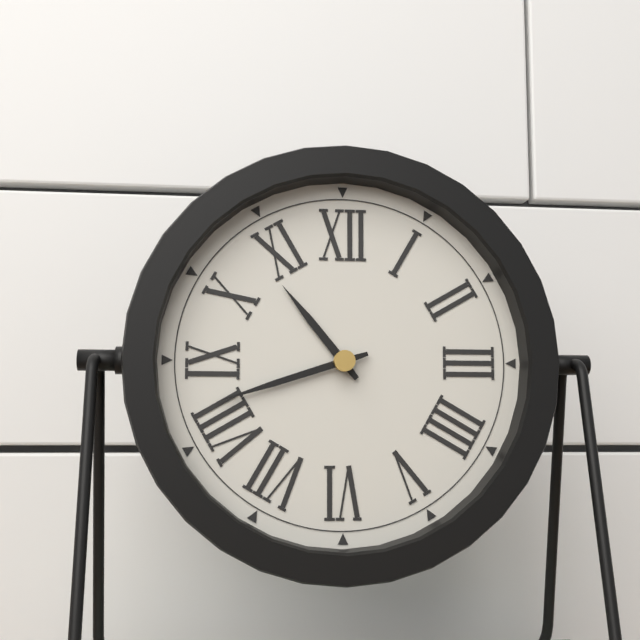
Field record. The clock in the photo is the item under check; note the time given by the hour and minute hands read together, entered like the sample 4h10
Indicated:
10h42
